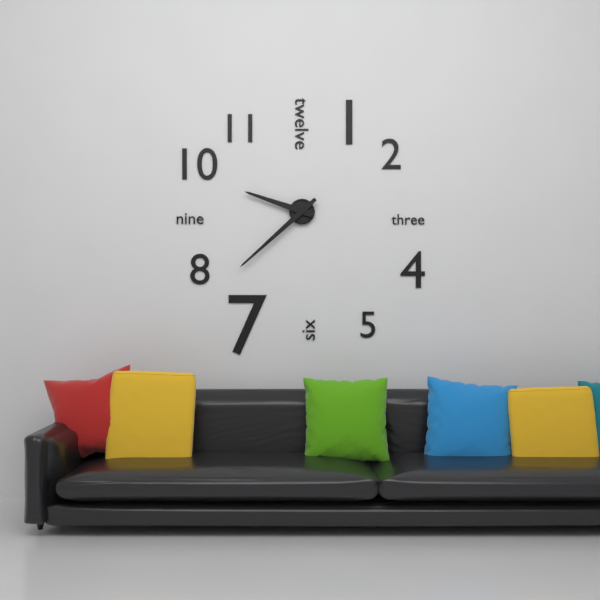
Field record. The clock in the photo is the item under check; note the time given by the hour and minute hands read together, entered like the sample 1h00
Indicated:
9h38
